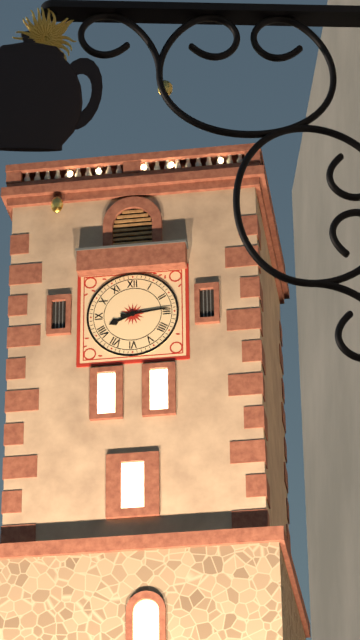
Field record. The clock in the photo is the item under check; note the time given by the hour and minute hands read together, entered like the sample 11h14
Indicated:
8h14
